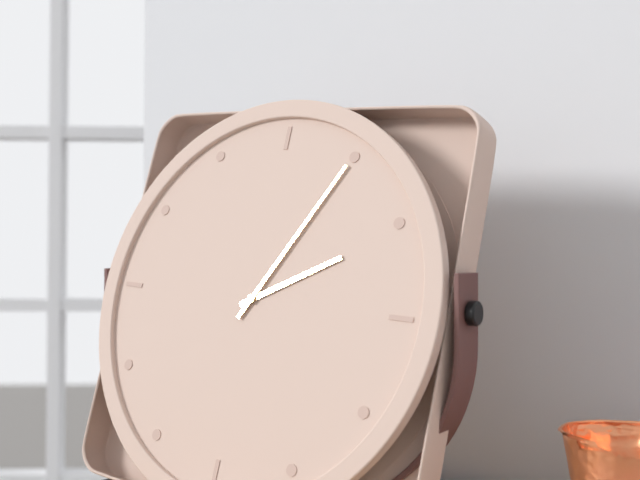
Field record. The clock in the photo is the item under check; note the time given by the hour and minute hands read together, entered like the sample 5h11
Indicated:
2h05
